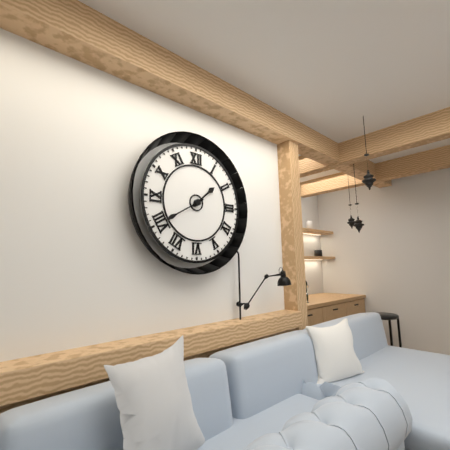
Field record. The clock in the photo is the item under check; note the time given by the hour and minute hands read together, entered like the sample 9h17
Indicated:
1h40
